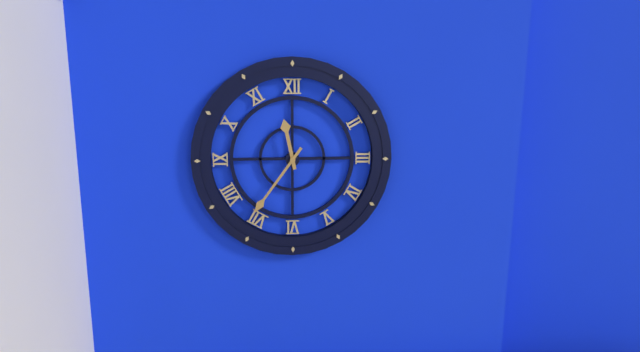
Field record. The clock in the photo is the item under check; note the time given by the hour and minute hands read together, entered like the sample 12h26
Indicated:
11h36
